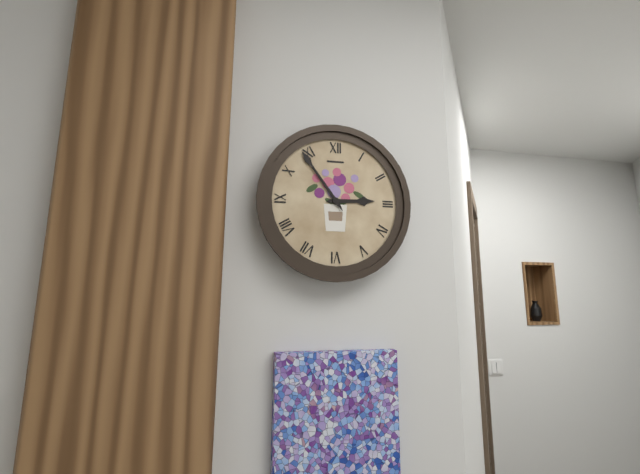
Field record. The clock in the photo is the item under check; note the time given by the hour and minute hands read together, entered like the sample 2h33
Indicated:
2h54
